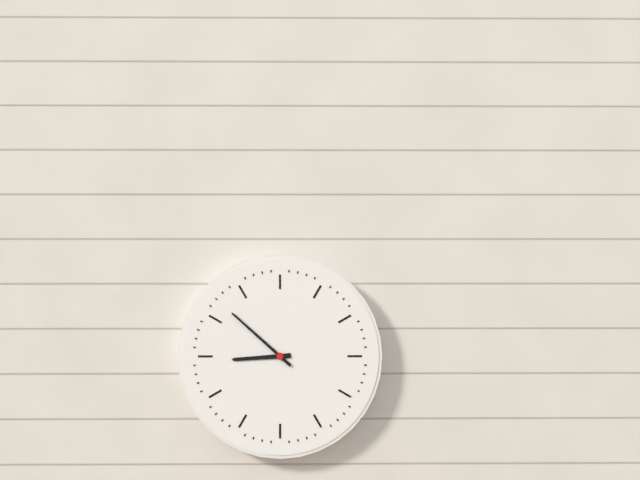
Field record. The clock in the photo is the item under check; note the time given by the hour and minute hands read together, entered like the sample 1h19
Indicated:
8h52
